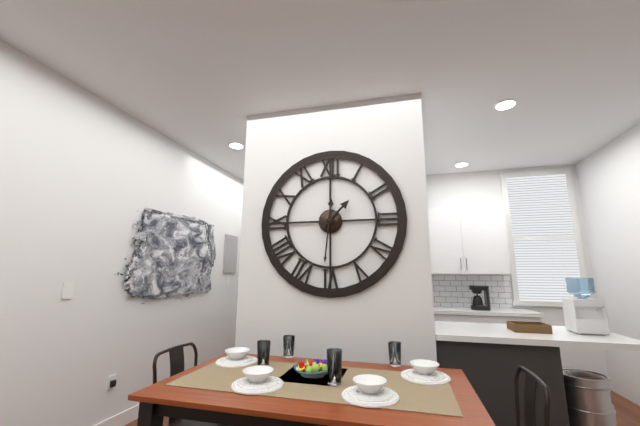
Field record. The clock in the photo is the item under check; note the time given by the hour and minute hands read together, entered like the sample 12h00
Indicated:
1h31
